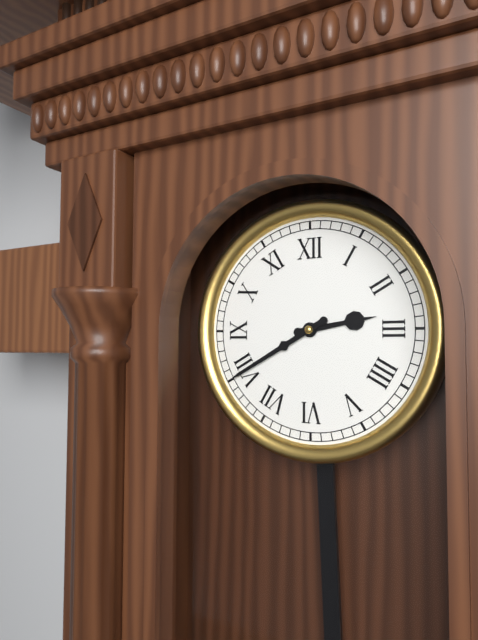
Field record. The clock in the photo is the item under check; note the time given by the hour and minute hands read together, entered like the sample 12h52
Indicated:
2h40
